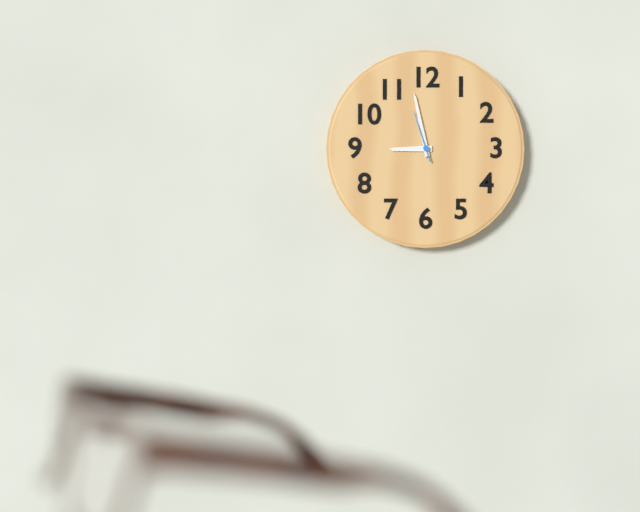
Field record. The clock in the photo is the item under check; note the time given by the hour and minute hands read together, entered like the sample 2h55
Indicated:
8h58
